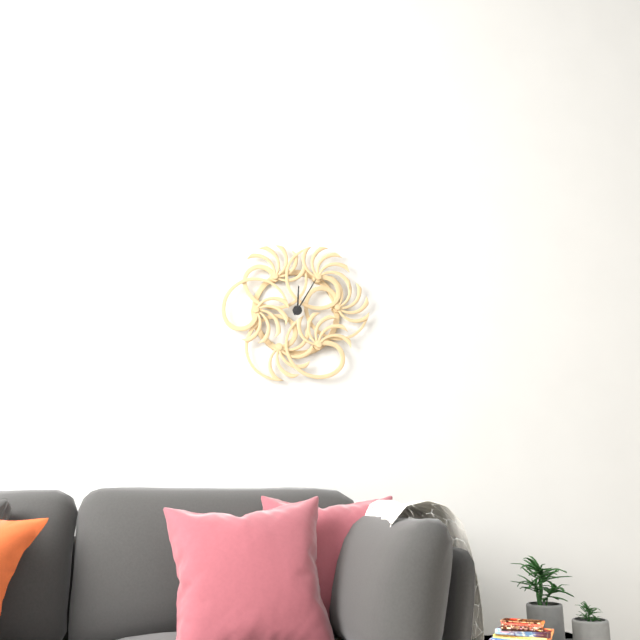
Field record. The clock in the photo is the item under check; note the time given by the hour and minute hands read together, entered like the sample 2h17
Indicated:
12h05
